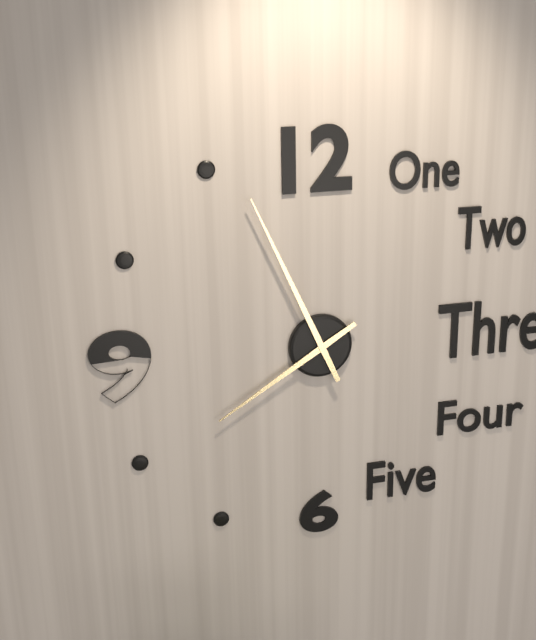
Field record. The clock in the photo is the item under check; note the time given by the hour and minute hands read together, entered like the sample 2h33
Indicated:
7h56
